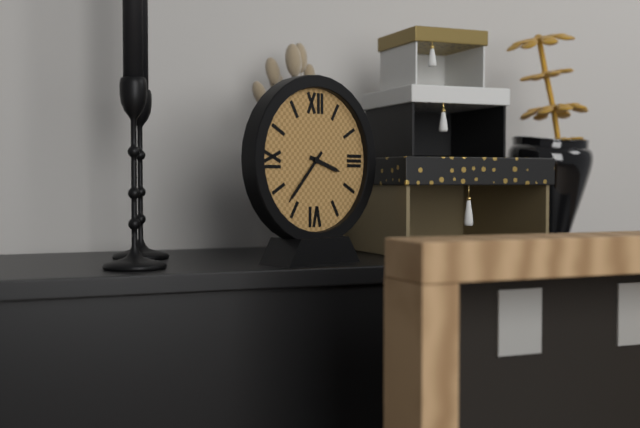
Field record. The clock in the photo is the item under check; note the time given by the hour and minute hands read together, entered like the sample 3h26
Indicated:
3h37
